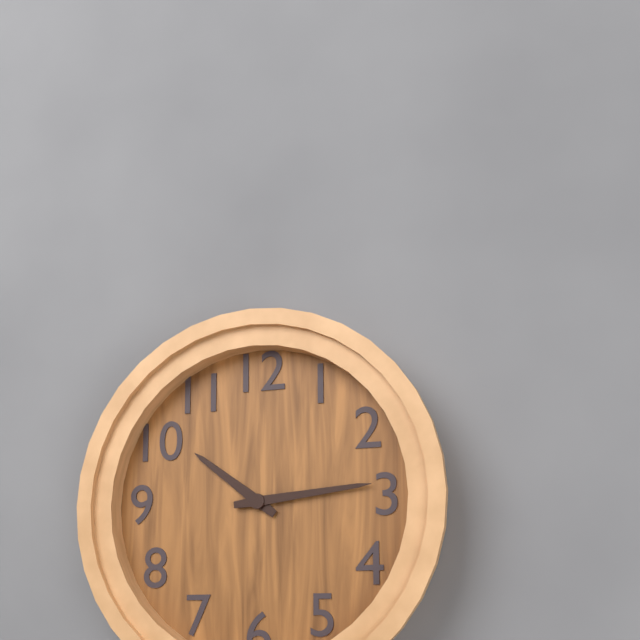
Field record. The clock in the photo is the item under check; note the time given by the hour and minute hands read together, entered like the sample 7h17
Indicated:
10h14
